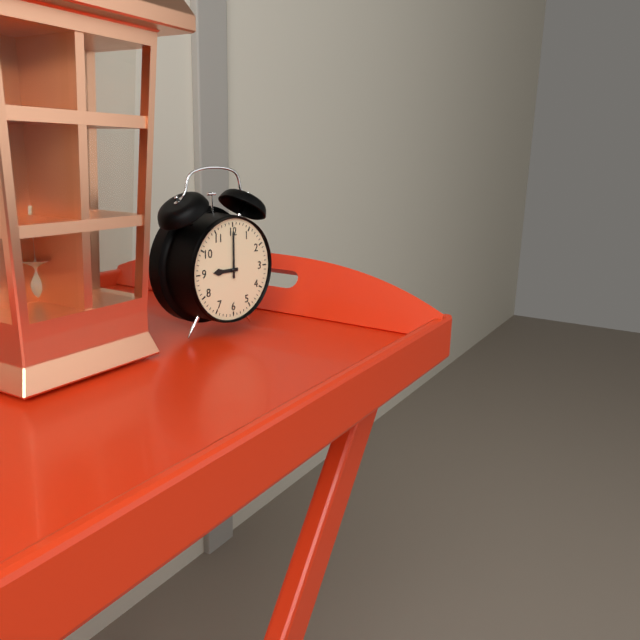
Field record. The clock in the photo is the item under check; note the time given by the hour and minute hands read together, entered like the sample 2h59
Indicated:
9h00
